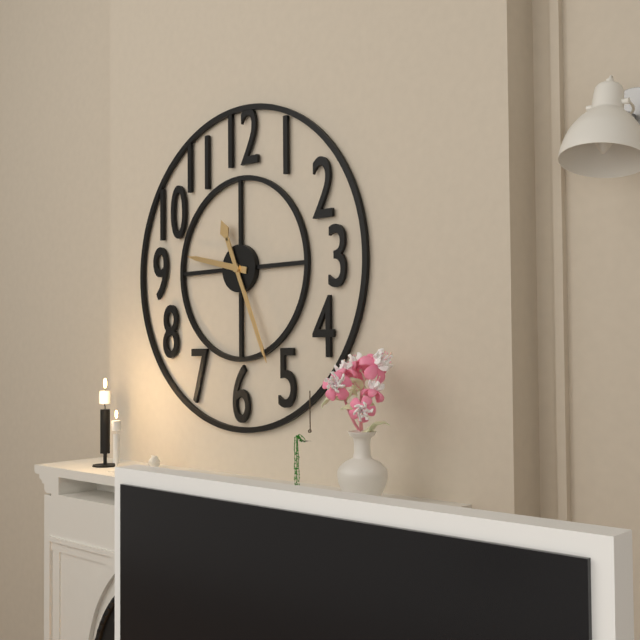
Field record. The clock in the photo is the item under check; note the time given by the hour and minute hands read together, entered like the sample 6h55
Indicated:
9h26
